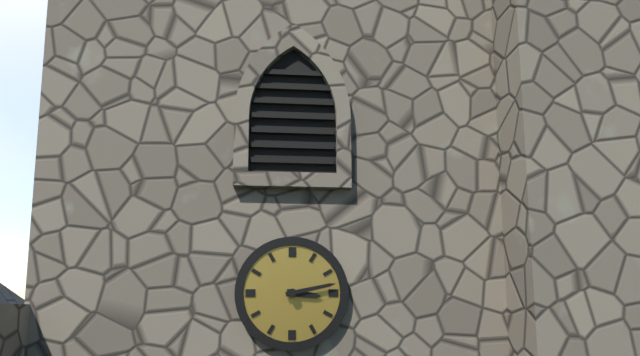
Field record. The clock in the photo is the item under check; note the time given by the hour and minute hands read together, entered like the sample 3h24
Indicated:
3h13
